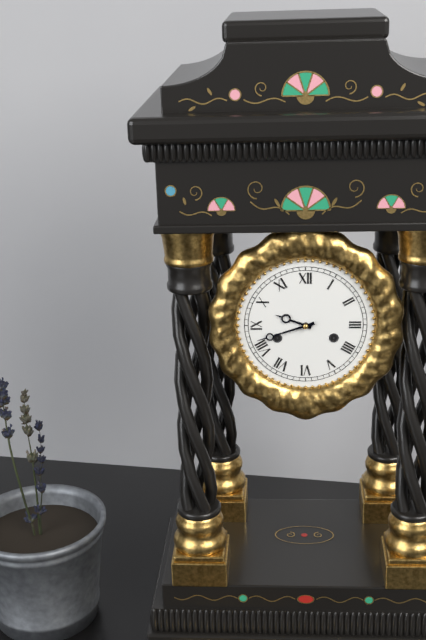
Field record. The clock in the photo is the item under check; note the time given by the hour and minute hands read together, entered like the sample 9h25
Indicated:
9h42
